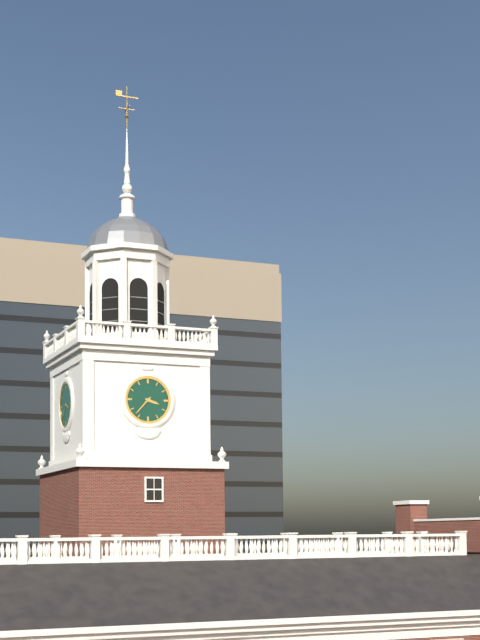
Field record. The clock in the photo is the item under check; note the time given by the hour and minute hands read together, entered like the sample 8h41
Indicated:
3h37
